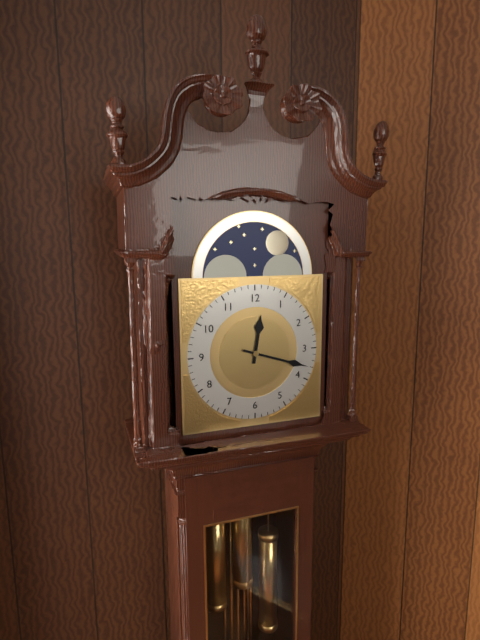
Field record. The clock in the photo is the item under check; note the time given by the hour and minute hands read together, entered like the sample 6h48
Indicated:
12h18
